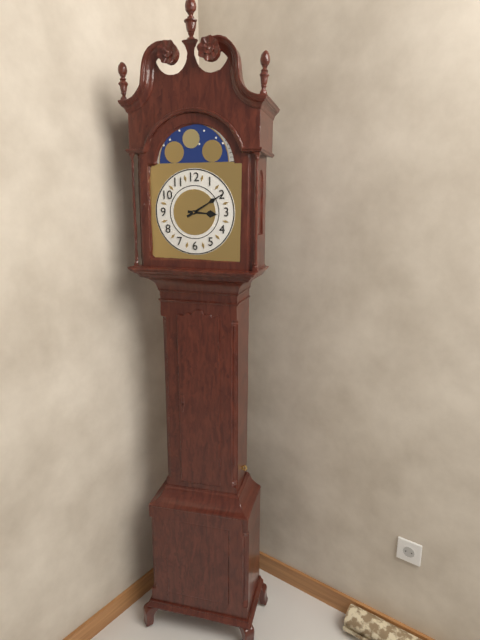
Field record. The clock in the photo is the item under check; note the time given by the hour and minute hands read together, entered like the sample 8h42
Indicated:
3h10
